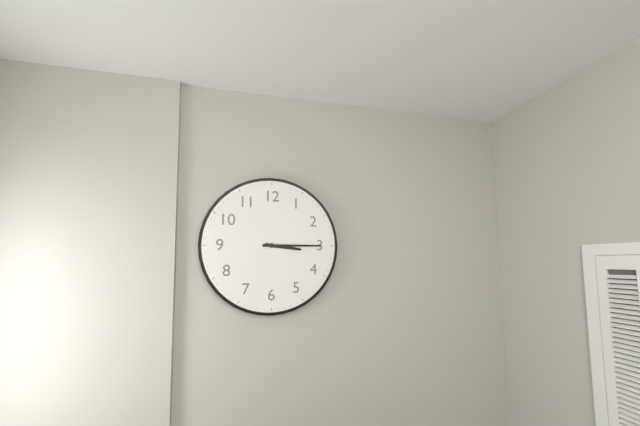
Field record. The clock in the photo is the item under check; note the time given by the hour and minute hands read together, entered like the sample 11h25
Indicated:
3h15
